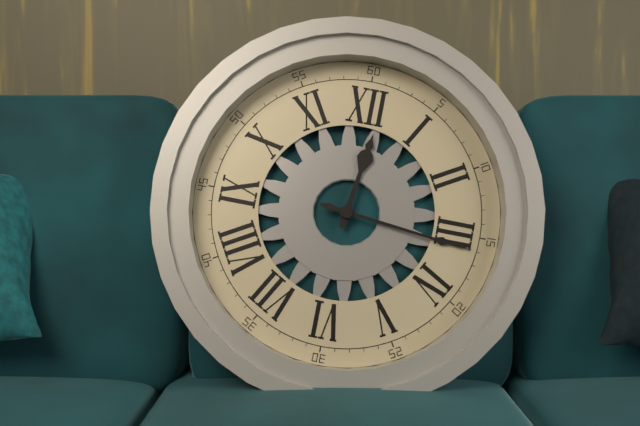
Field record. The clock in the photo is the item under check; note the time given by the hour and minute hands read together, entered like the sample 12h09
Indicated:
12h16
